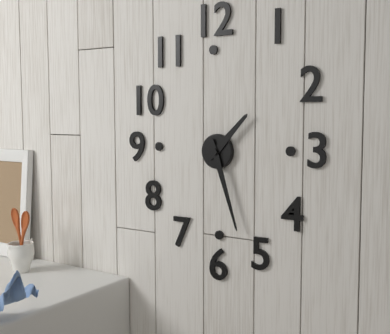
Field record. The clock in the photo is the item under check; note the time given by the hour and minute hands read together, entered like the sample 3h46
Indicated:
1h27
